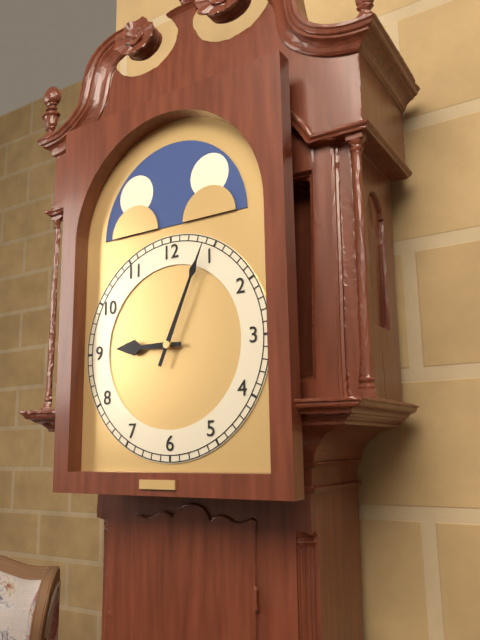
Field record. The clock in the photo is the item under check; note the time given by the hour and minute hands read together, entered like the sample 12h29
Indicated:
9h04
